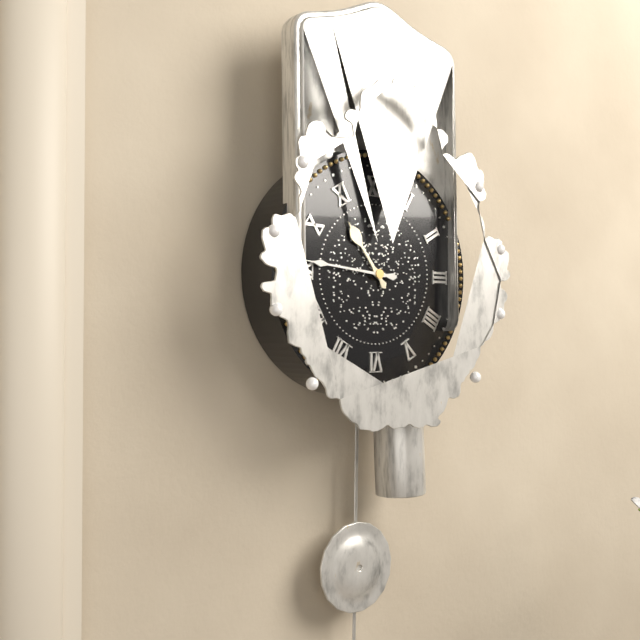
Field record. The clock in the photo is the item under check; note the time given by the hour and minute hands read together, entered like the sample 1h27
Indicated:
10h46
